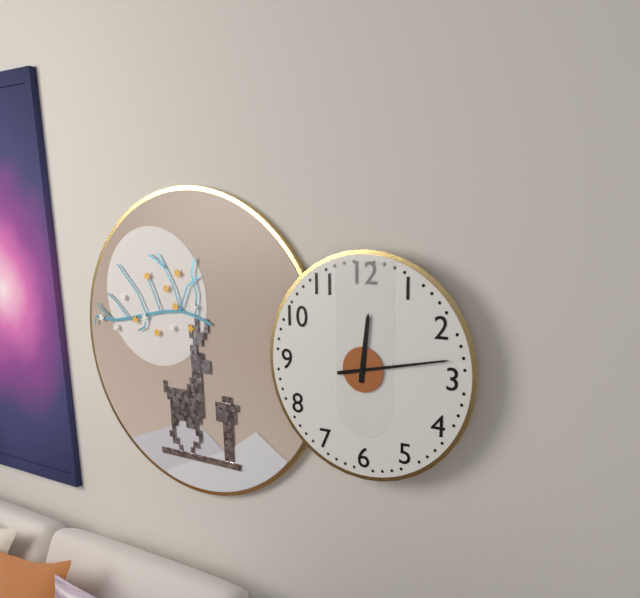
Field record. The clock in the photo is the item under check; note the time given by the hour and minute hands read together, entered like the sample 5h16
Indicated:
12h13
